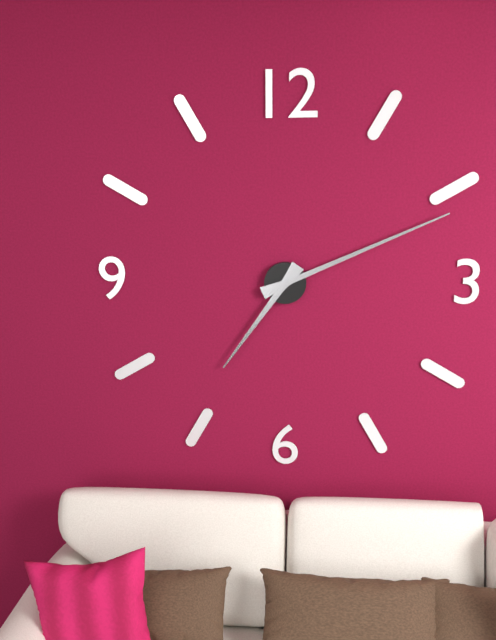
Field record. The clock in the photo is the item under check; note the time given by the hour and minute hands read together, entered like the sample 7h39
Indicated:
7h11
